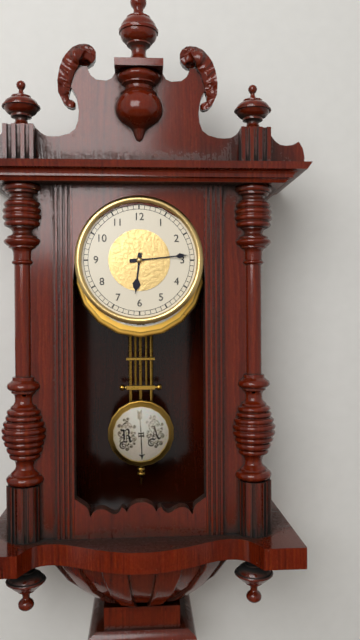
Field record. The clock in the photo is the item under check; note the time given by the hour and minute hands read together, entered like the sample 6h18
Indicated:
6h14
